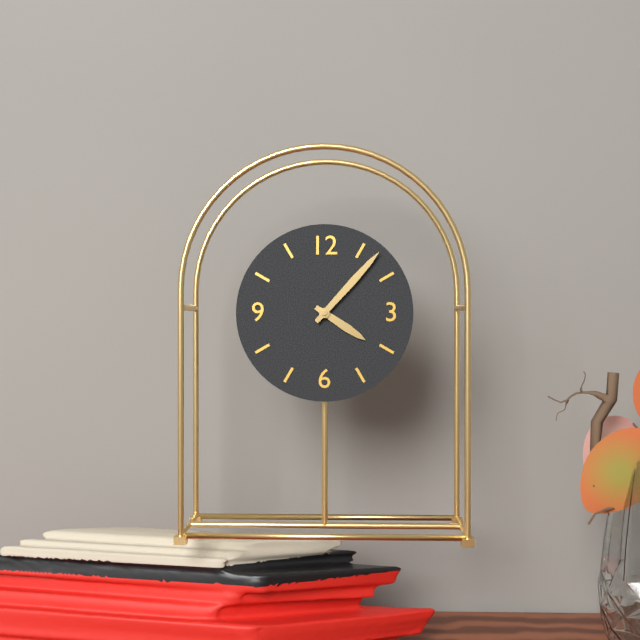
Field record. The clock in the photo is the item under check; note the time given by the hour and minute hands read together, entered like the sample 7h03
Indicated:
4h07
